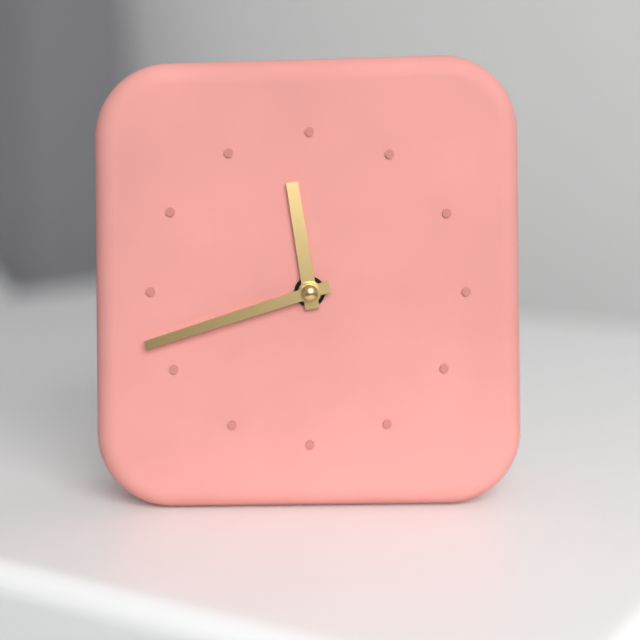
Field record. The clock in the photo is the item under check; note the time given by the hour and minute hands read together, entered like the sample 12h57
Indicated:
11h42
